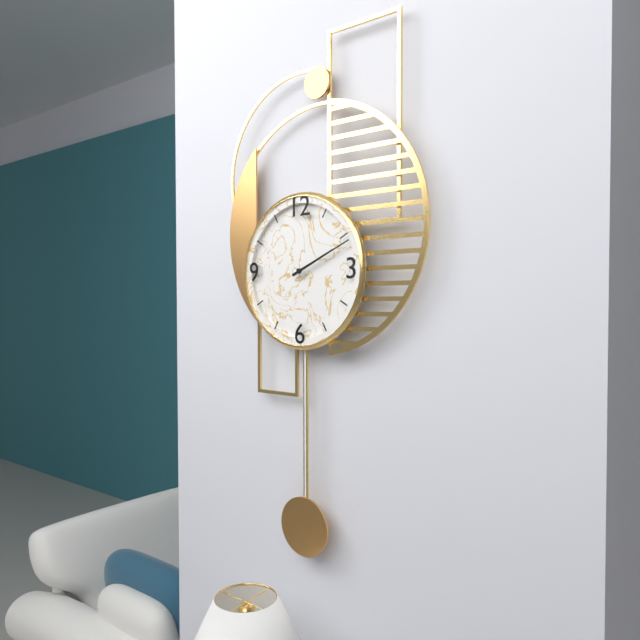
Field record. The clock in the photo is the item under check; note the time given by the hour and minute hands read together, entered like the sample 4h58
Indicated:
2h11
